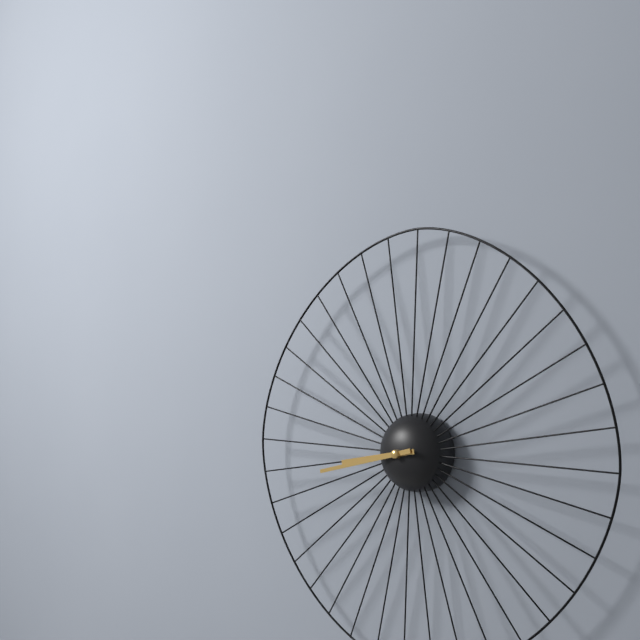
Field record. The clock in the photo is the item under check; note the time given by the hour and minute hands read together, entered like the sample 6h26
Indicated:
8h43
